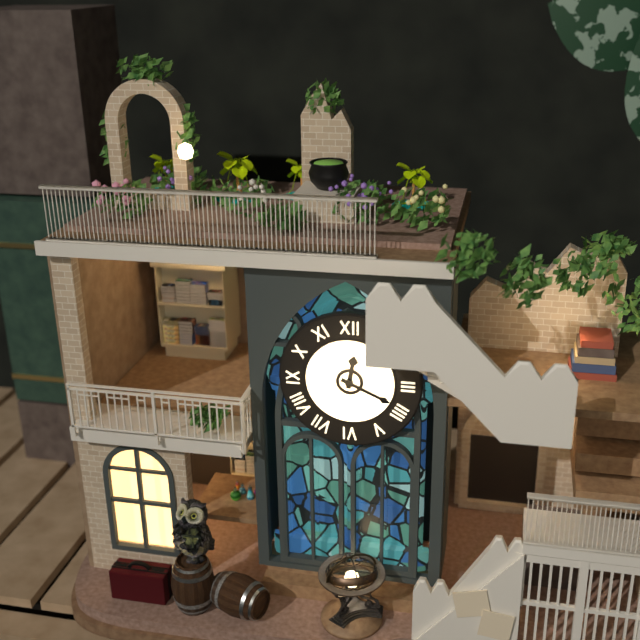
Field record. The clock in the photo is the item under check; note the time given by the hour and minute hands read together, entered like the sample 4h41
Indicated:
12h19
